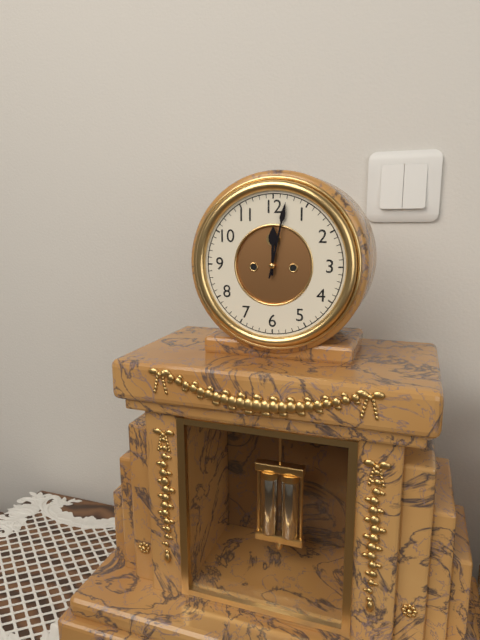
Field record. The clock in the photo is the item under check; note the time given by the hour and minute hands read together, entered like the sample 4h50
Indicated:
12h02
